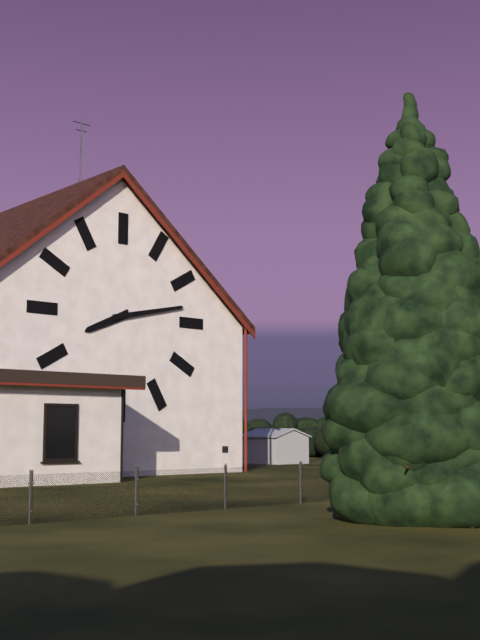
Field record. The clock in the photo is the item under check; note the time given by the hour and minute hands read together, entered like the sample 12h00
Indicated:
8h13
